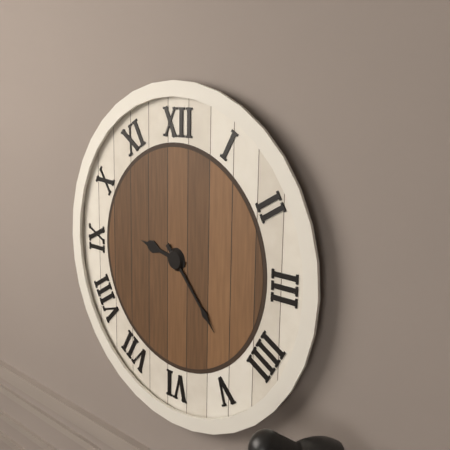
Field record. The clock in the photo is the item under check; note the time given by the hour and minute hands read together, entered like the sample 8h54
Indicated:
9h23
